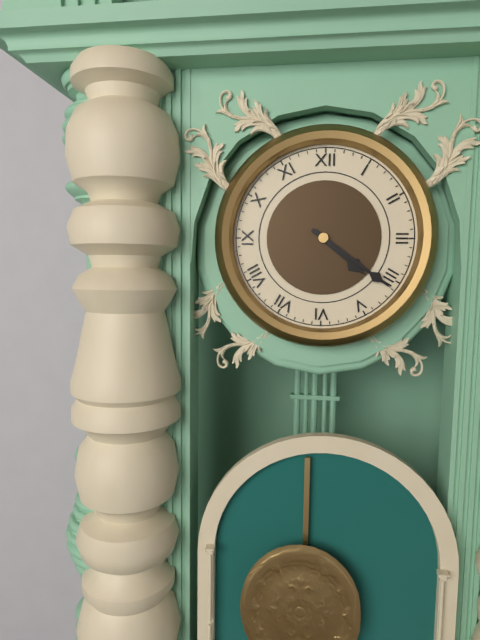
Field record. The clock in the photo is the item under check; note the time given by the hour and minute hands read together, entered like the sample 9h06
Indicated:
4h21
